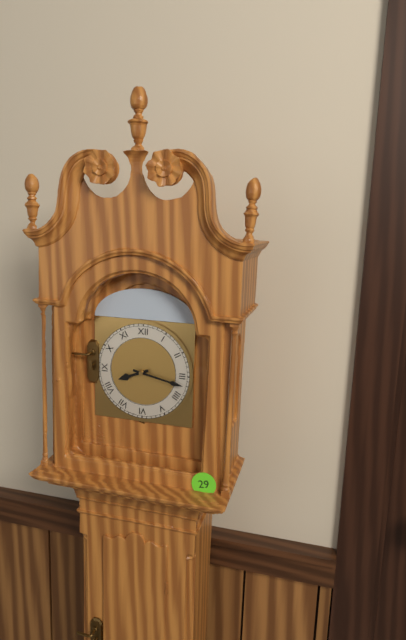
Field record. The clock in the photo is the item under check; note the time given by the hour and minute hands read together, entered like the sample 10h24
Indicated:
8h17
